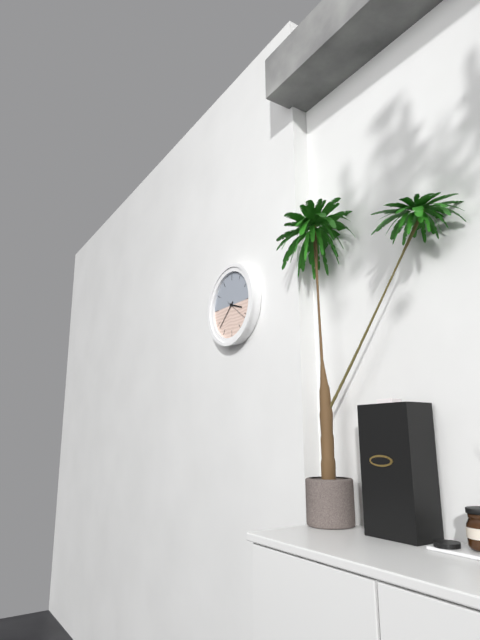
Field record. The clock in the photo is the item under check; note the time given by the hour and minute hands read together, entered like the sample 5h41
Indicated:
3h38
